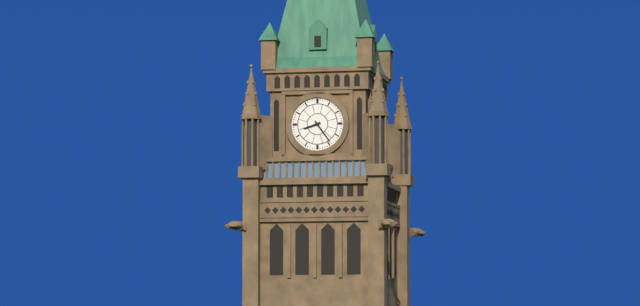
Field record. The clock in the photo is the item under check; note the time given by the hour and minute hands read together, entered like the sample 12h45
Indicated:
8h24
